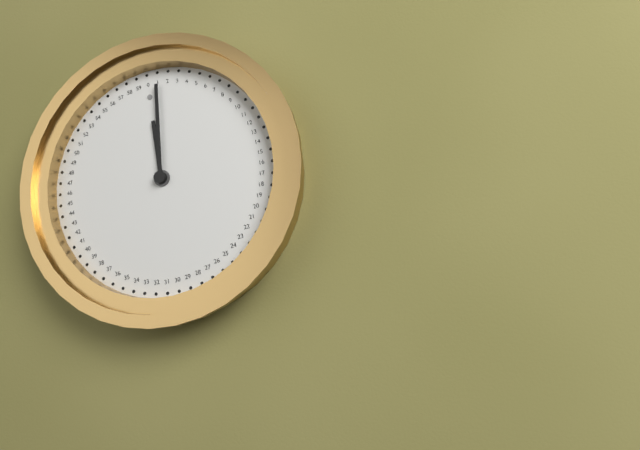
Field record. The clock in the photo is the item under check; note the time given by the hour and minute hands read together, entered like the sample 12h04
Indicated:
12h01
